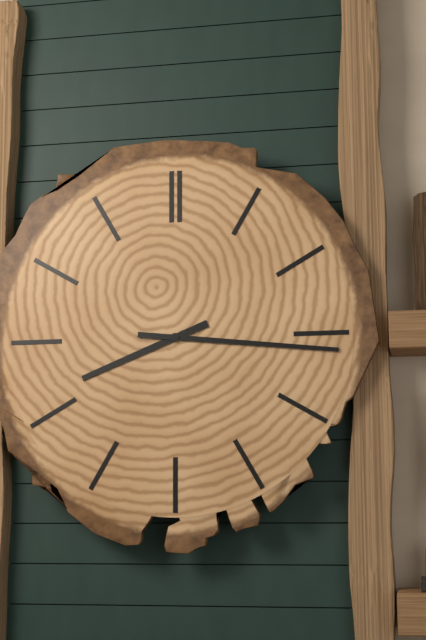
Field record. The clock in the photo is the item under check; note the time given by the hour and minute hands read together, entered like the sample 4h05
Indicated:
8h16
